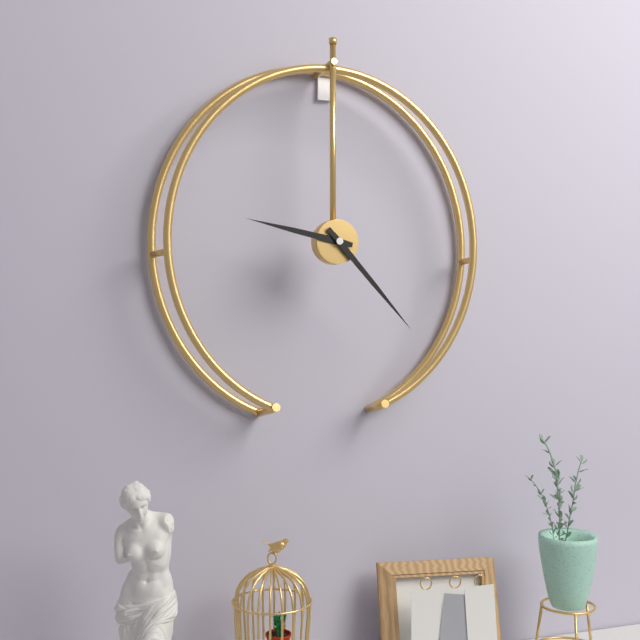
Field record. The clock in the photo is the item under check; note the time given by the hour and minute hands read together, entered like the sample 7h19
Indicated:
9h23
